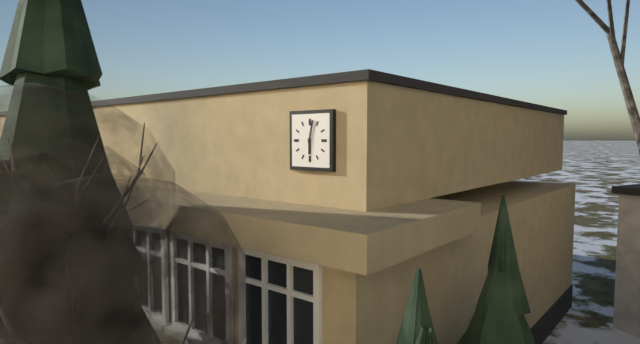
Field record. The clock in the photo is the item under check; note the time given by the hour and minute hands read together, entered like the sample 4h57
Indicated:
6h02
